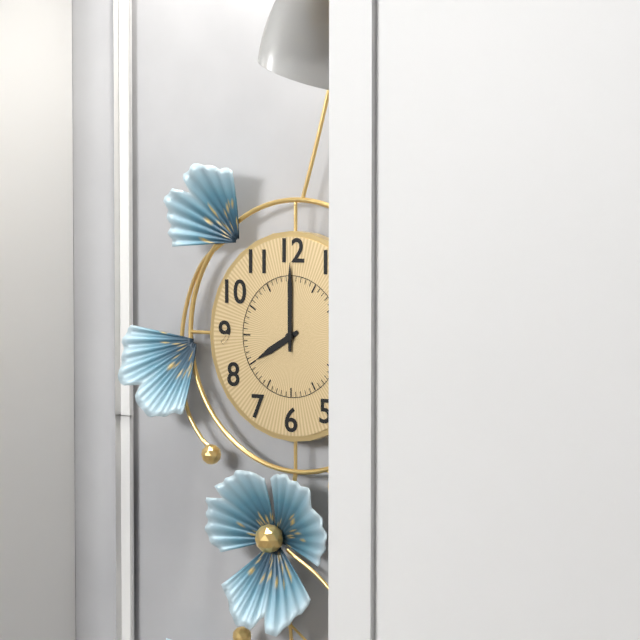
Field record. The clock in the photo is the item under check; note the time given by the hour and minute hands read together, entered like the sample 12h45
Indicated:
8h00
